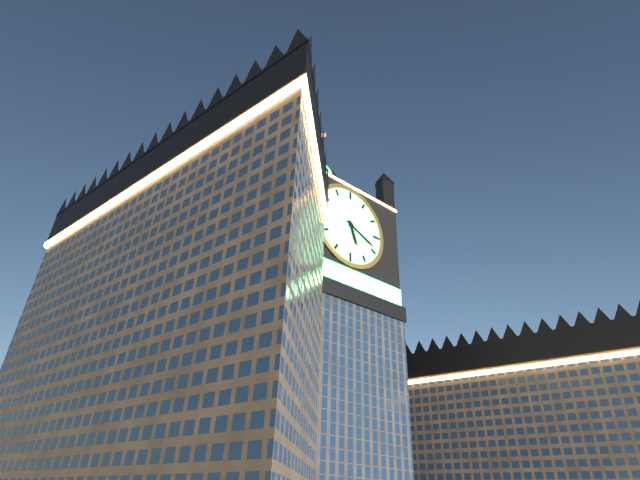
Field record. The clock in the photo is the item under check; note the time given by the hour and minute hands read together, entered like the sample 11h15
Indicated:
5h19
